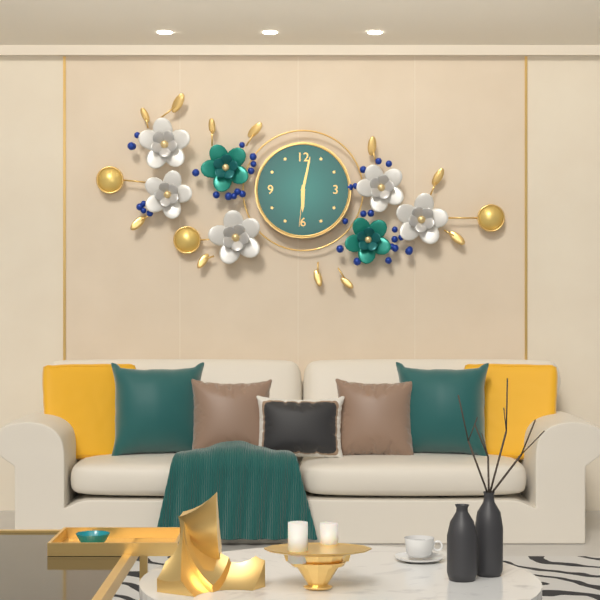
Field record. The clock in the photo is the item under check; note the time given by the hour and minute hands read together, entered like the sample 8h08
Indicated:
6h02
